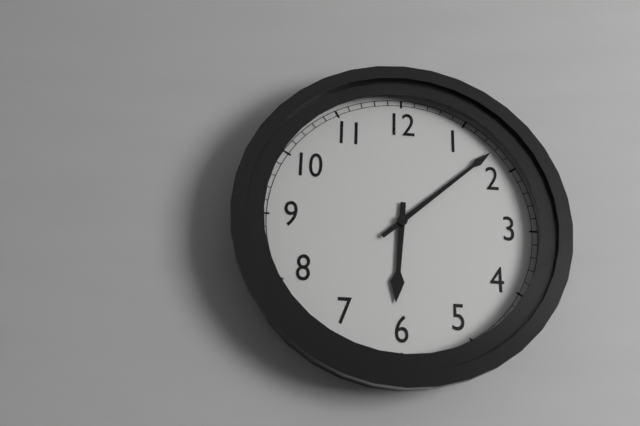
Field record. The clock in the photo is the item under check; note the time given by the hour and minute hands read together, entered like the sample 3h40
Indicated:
6h08
